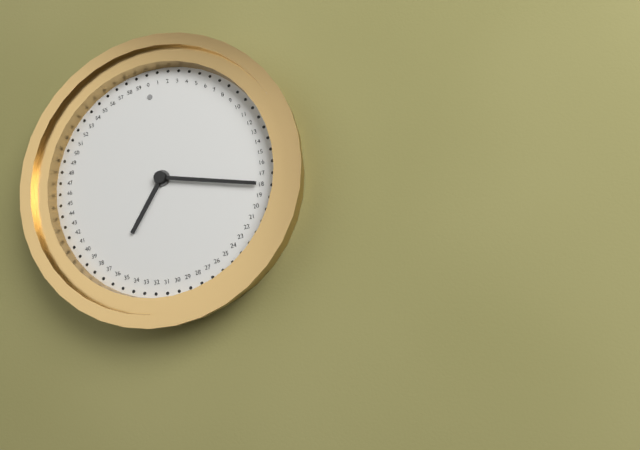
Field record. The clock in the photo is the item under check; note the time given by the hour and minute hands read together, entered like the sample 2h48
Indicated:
7h18
